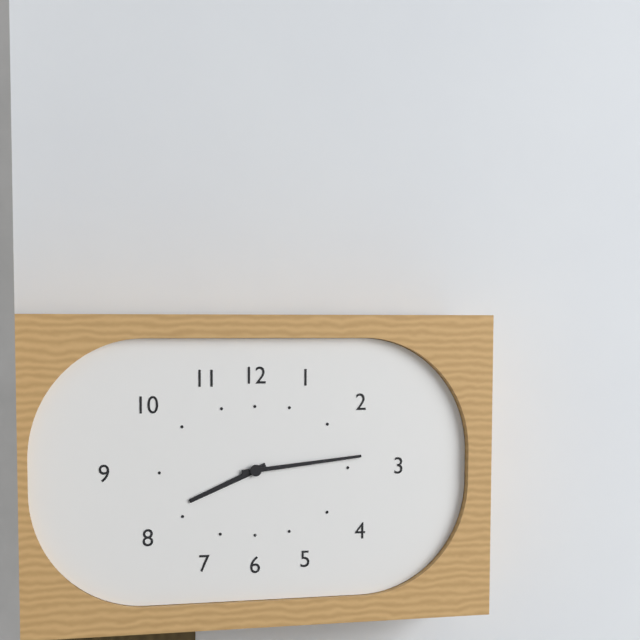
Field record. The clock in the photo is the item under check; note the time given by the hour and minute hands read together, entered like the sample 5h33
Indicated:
8h14
